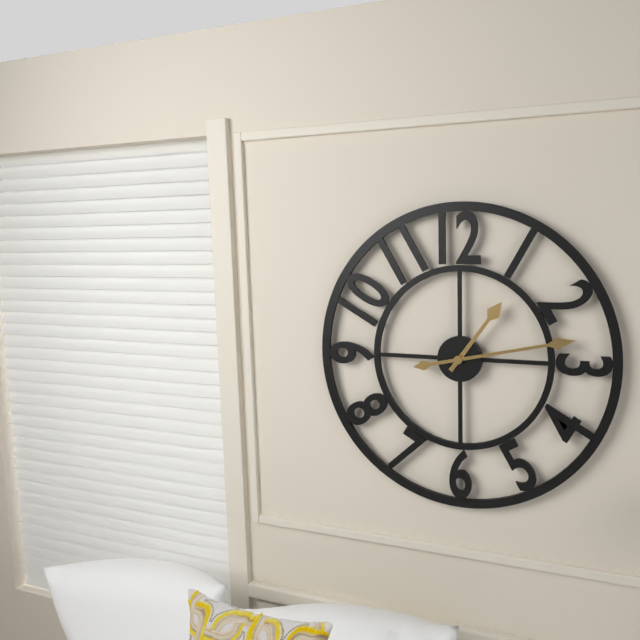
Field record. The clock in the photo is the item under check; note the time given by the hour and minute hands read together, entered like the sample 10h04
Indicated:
1h13
